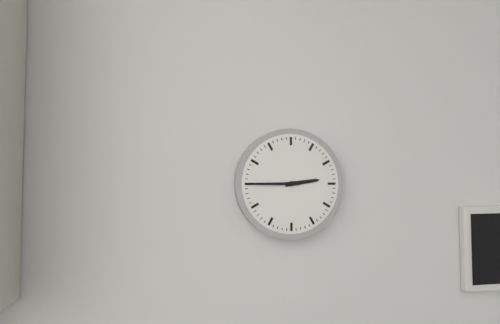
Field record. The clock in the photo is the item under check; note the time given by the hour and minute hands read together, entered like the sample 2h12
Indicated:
2h45
